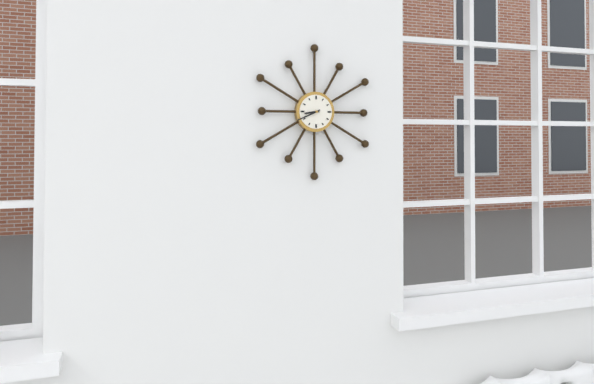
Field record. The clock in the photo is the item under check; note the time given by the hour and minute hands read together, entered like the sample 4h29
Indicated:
8h41
